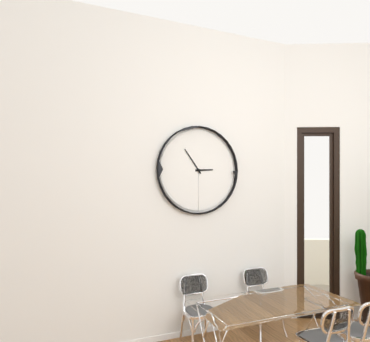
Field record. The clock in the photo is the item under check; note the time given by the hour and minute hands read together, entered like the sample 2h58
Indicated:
2h54
